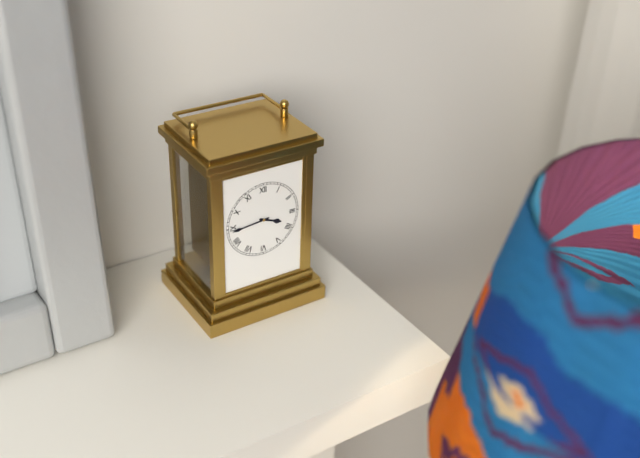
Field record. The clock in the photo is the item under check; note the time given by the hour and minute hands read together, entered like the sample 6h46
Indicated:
3h44
